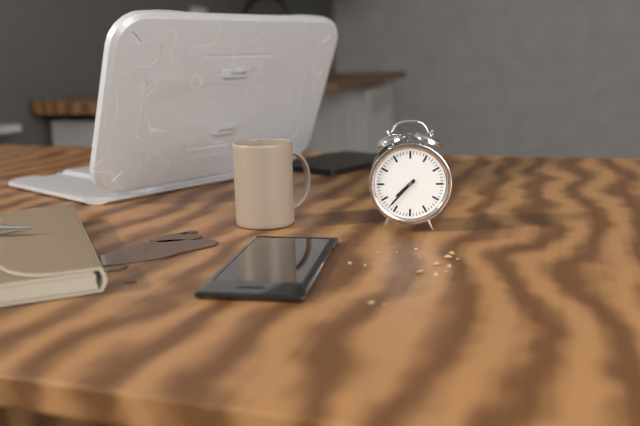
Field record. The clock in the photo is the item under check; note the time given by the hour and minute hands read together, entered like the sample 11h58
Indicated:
7h37
